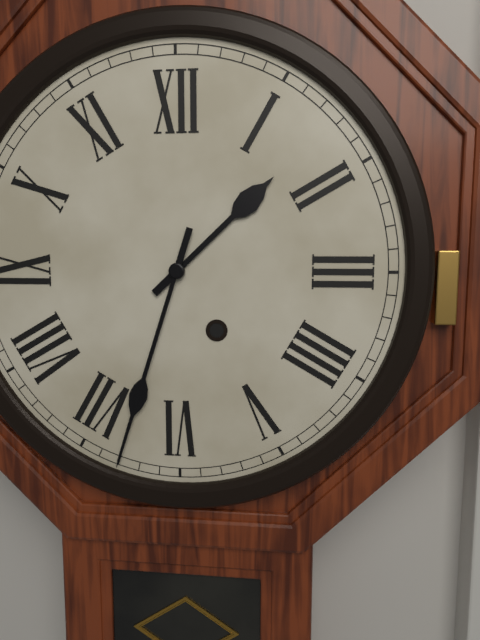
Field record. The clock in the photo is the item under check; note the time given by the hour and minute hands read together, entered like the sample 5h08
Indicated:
1h33
